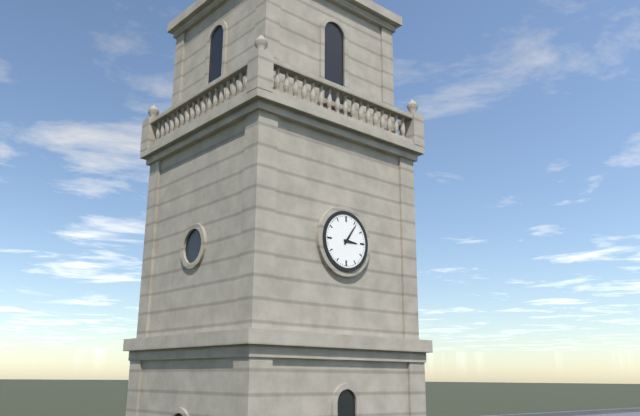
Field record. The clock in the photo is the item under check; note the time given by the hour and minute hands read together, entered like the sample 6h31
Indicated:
3h06
